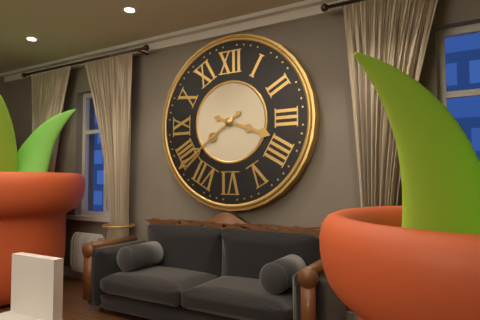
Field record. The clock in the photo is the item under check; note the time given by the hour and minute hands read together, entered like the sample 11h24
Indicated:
3h39
